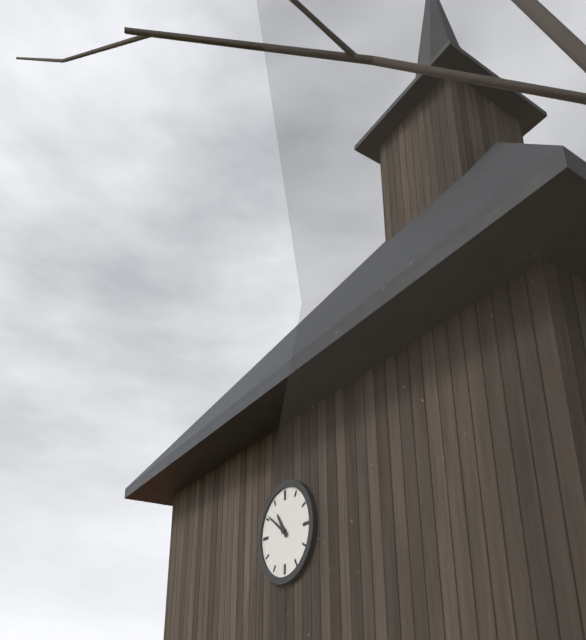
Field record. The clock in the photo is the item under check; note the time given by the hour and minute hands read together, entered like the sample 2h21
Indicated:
10h51
